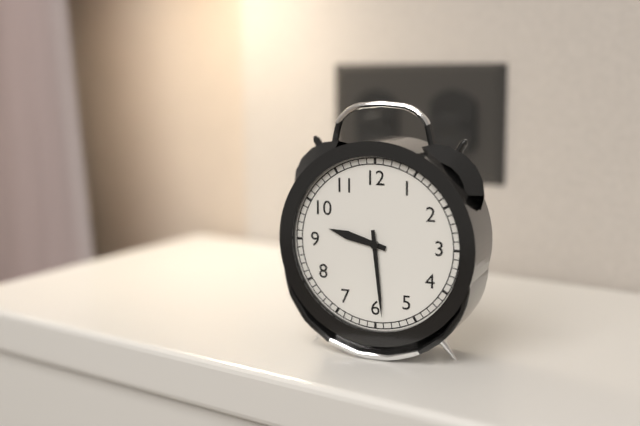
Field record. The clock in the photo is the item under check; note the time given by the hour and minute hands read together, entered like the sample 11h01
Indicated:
9h29
